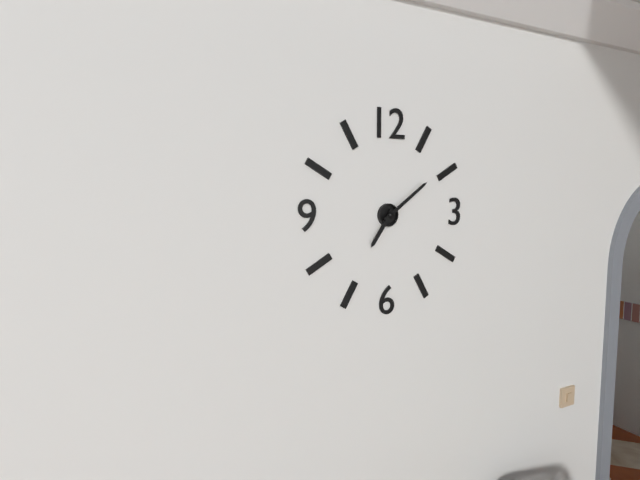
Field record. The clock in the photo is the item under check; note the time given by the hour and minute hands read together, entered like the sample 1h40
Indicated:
7h09
